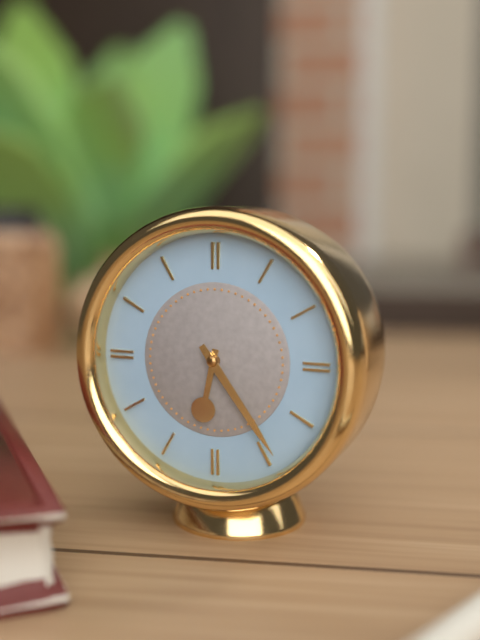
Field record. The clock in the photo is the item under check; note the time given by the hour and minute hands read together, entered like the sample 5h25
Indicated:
6h24
